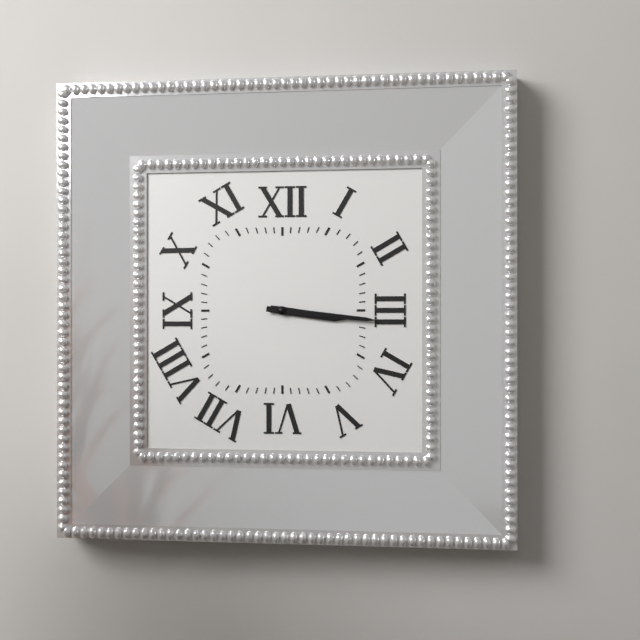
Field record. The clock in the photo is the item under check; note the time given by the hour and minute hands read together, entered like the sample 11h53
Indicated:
3h16
